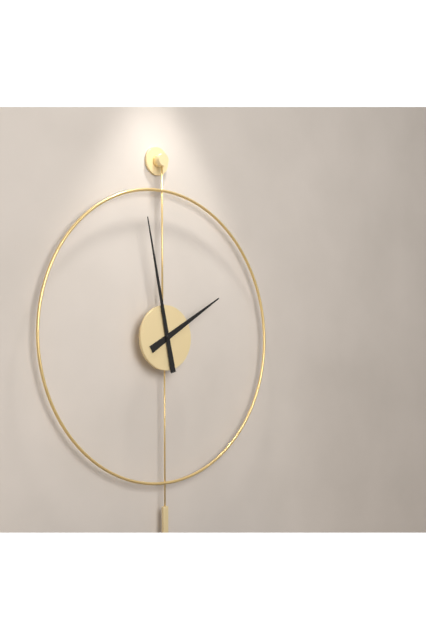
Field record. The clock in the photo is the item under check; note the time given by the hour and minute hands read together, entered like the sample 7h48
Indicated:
1h58
